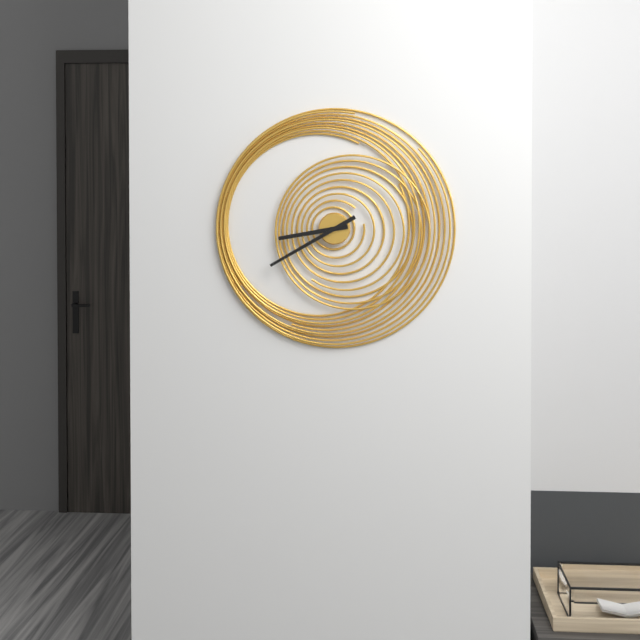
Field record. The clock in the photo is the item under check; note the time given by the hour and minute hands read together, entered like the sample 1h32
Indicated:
8h40
